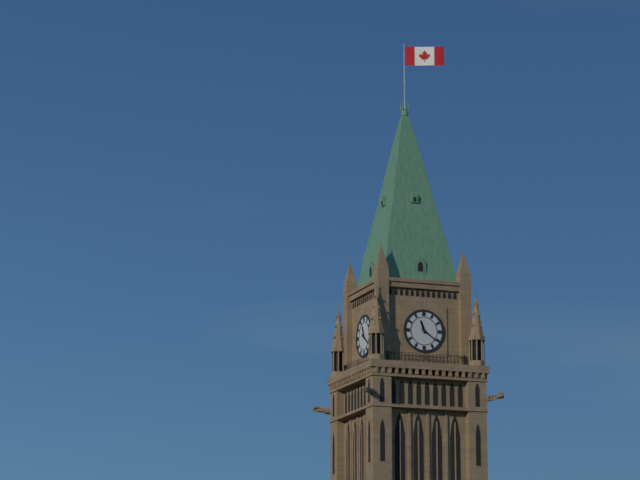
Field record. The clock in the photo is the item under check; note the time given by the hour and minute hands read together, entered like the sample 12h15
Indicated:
11h21
